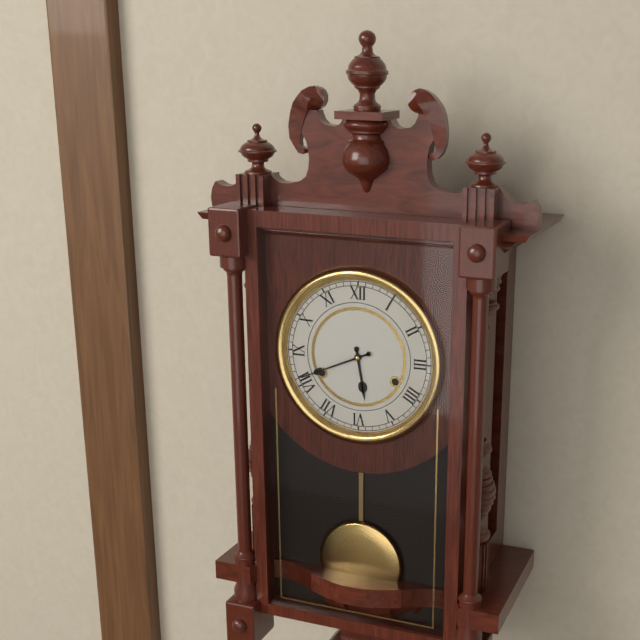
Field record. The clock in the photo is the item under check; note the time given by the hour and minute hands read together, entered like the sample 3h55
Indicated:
5h41
